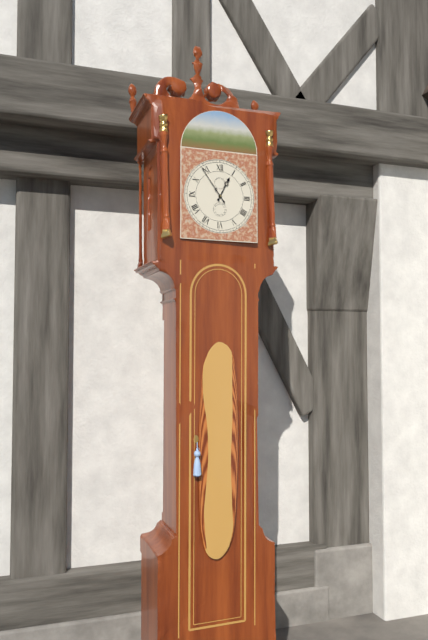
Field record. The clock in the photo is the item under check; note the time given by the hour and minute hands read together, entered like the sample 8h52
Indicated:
12h54
